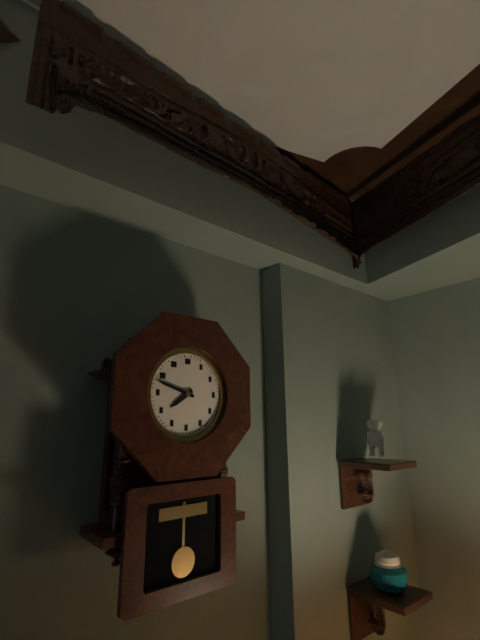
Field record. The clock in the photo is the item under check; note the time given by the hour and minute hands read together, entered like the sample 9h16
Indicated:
7h48
